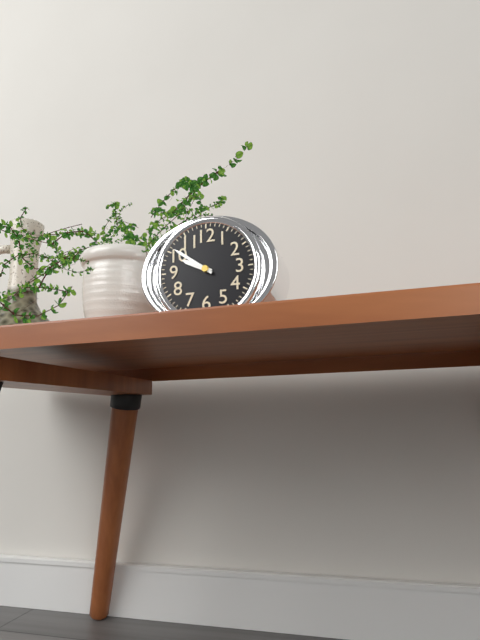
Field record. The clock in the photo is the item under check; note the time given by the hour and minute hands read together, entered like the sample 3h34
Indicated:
9h51
